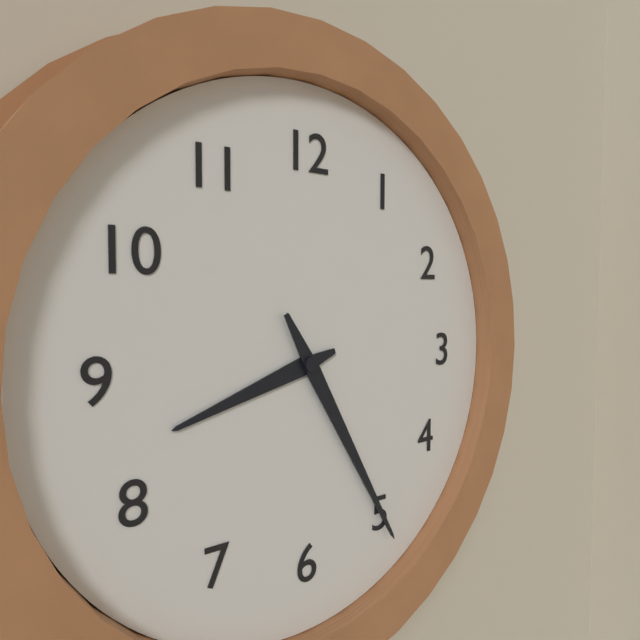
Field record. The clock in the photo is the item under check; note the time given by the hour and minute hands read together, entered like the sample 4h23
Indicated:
8h25
